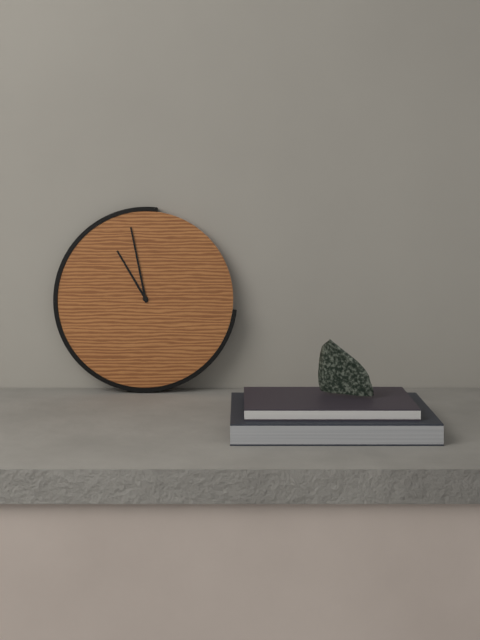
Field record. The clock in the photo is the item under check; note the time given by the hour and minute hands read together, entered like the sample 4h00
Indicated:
10h58
